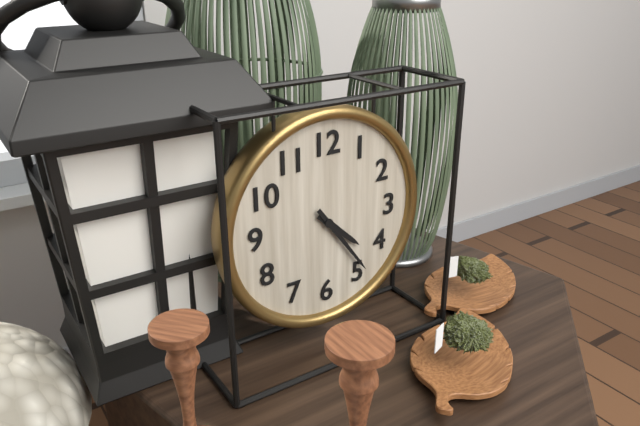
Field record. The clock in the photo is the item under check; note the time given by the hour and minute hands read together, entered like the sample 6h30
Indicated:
4h24
